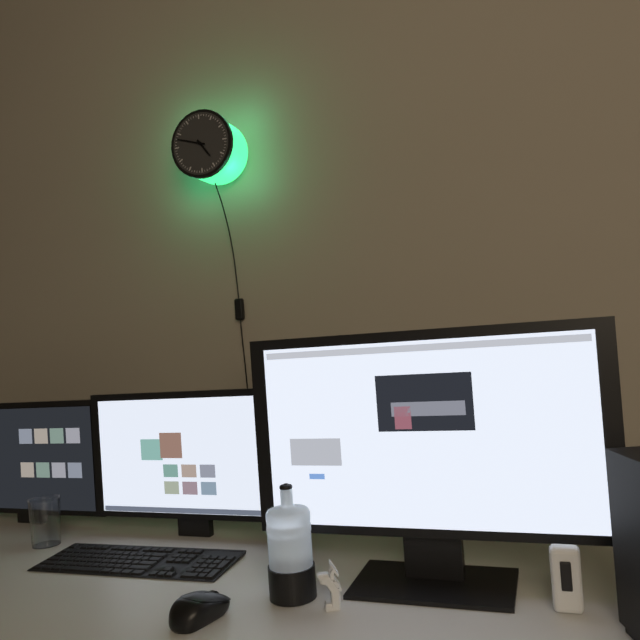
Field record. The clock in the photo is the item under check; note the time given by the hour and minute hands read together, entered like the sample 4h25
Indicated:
4h48
